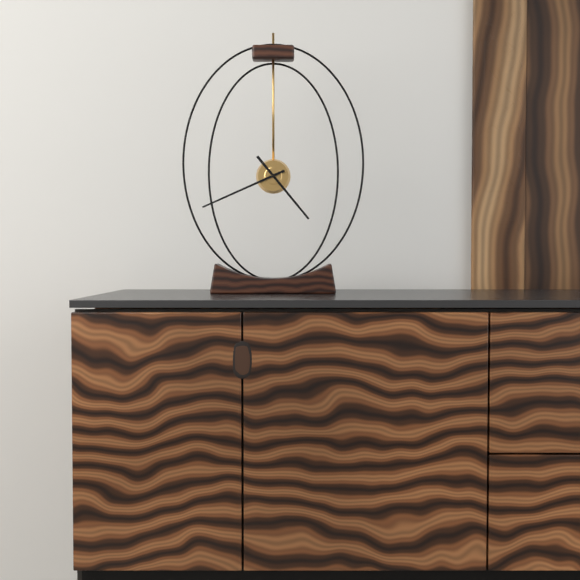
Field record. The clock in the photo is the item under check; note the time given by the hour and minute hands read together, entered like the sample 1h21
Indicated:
4h41
